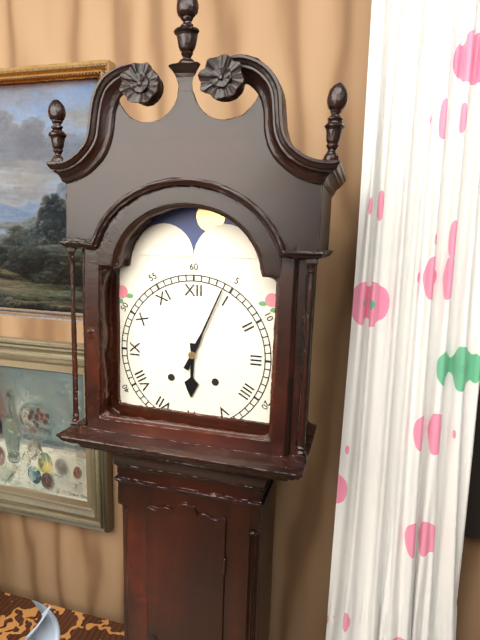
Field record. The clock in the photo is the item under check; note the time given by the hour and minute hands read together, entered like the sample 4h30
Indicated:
6h04
